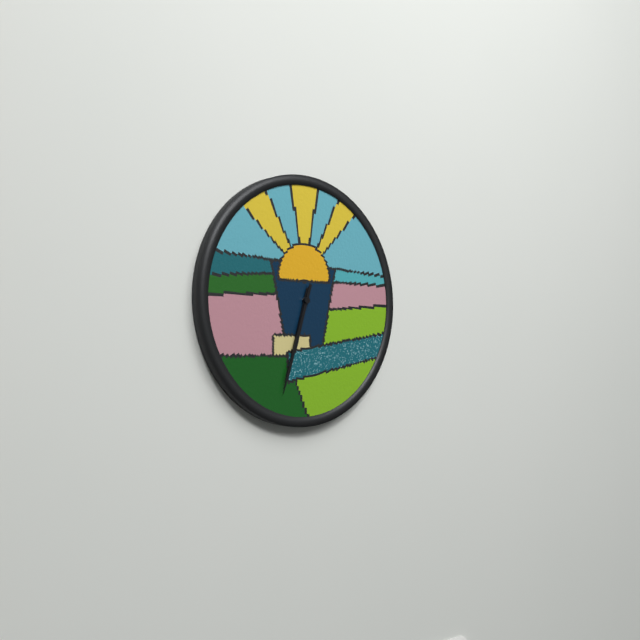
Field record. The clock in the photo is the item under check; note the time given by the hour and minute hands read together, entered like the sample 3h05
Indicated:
6h33
